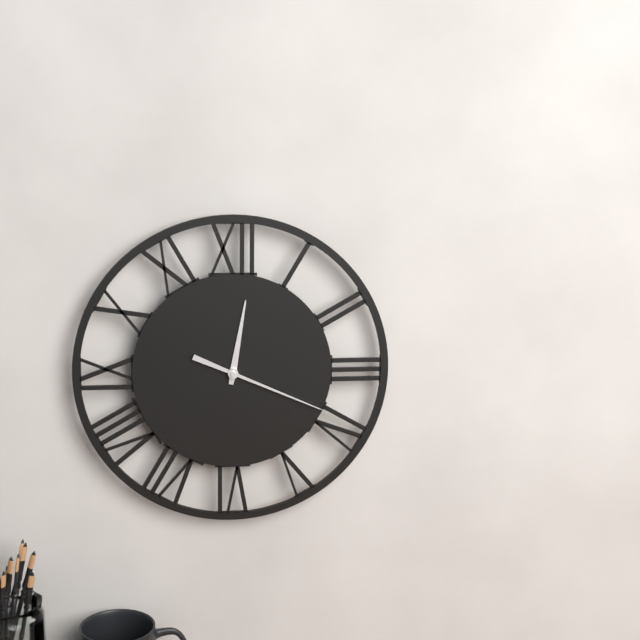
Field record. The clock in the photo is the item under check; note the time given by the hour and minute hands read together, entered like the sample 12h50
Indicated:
12h19
